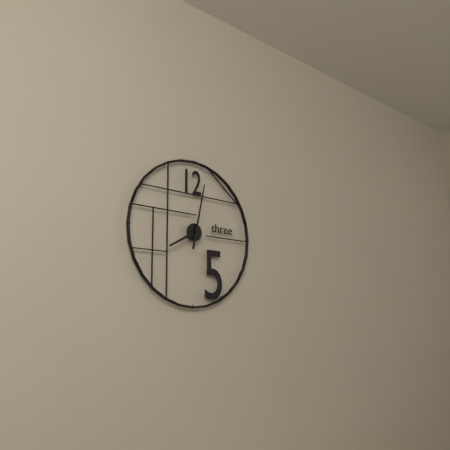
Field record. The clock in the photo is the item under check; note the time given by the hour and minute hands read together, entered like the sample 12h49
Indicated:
8h02
